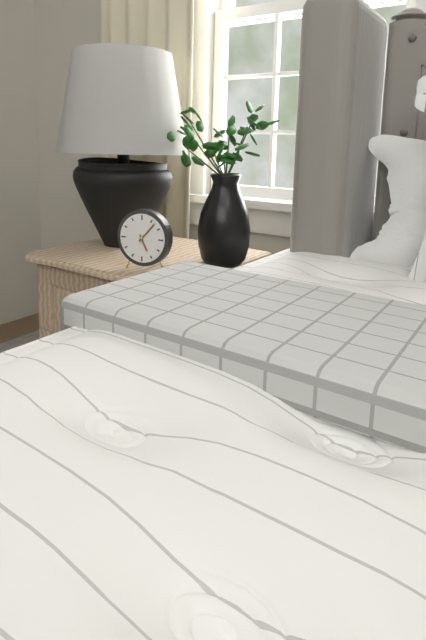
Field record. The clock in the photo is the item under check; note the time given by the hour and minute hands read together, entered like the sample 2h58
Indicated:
5h07
